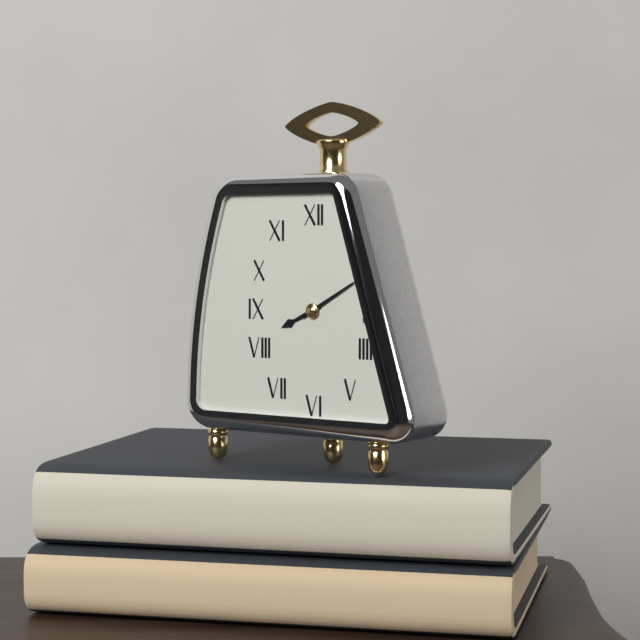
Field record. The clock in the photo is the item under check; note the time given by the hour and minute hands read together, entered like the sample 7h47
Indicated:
8h10
